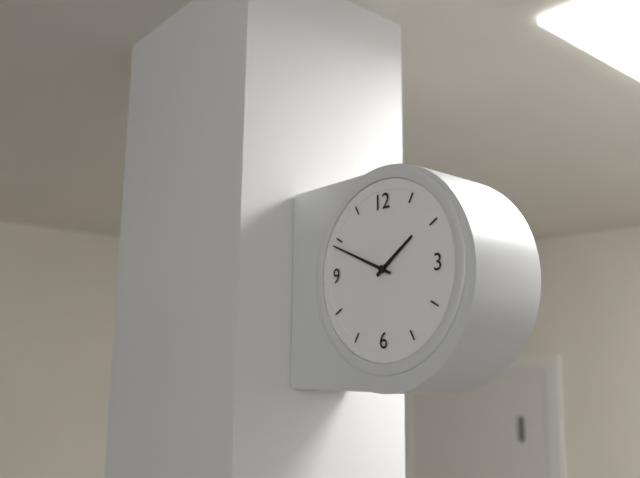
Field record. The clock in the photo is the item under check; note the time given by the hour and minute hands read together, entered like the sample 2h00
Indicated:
1h49
